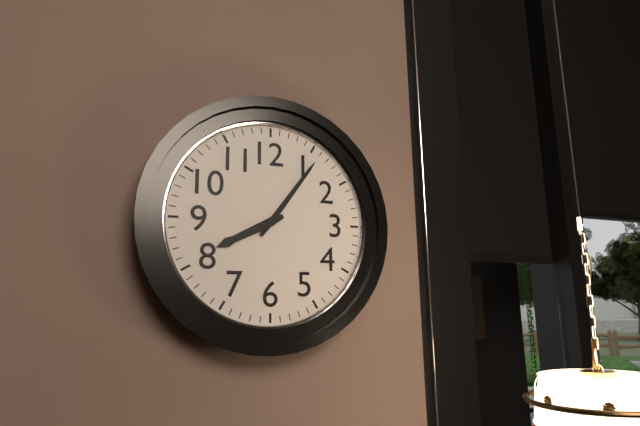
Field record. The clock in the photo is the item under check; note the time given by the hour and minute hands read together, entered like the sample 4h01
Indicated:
8h06
